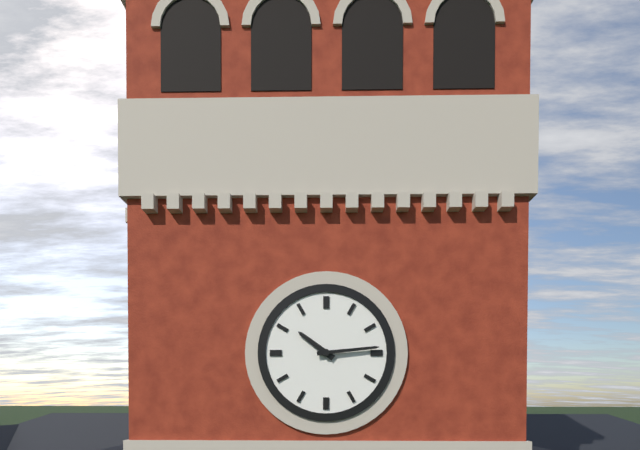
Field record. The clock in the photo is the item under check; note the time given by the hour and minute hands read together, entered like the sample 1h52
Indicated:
10h14
